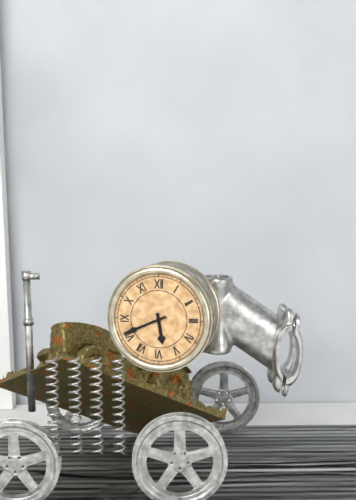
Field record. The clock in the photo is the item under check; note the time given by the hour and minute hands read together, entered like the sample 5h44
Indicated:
5h41
